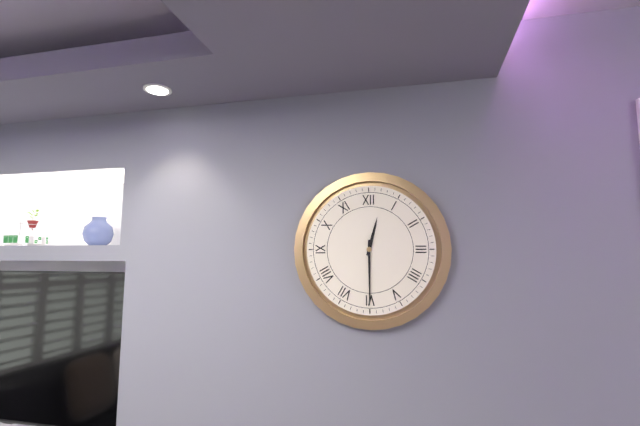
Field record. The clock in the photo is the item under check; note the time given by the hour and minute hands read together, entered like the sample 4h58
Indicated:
12h30
